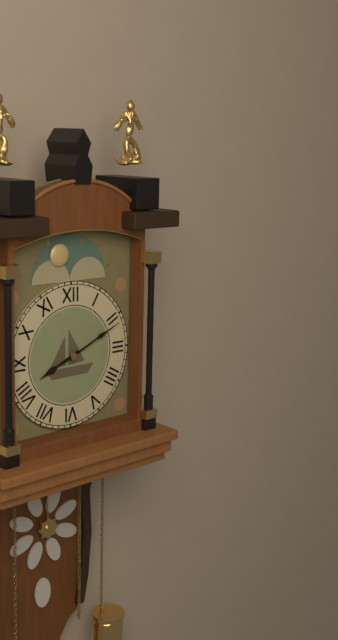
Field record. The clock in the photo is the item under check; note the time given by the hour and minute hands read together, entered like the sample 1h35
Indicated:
8h11
